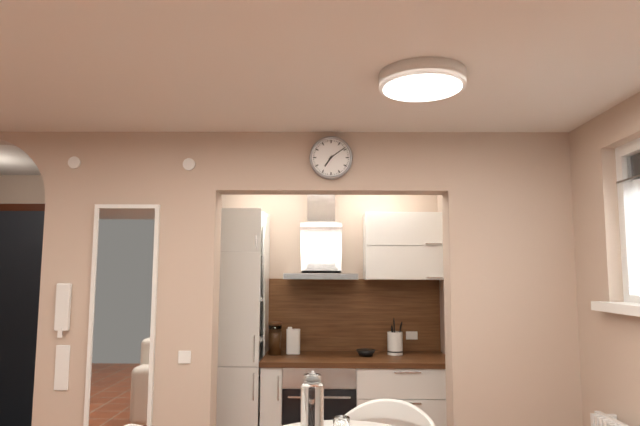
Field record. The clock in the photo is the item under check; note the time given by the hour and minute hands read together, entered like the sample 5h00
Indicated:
7h09
